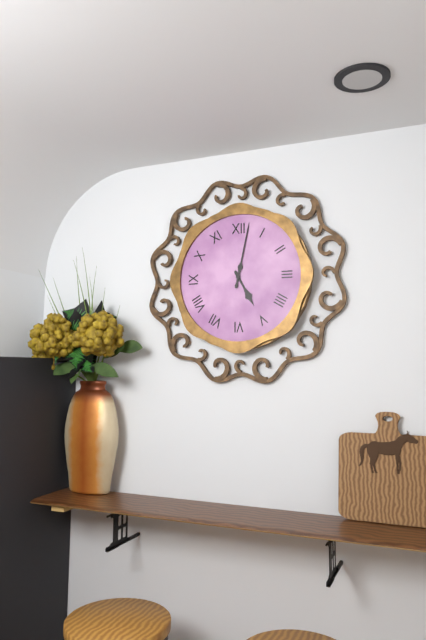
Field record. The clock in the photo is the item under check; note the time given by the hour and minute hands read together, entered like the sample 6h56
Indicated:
5h02
